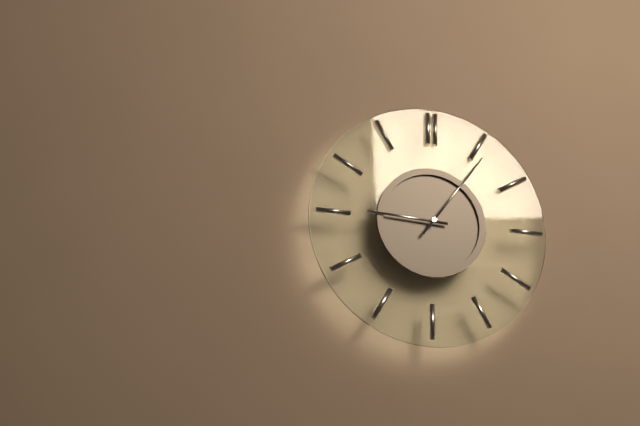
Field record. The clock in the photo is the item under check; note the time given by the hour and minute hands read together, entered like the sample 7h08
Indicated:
9h06
